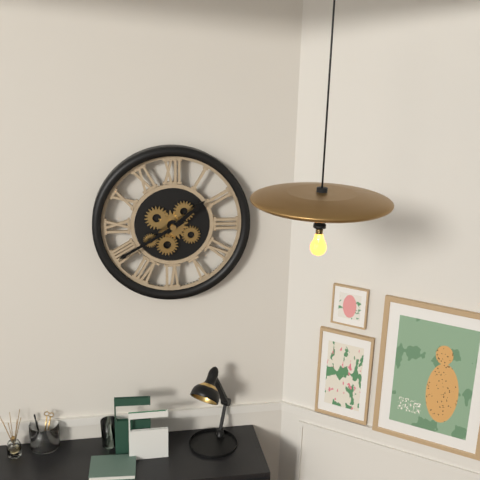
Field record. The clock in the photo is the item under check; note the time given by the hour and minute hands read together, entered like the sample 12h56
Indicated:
1h40
